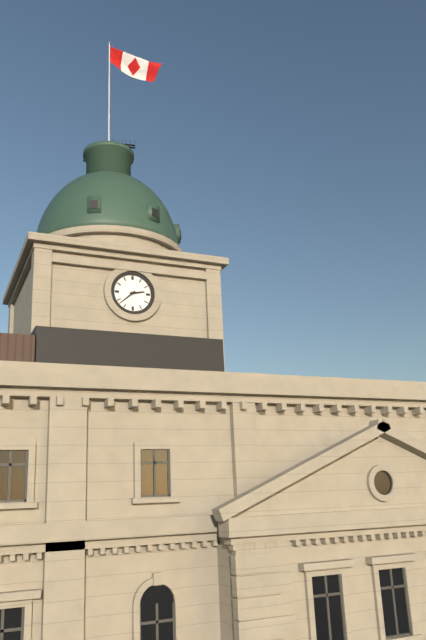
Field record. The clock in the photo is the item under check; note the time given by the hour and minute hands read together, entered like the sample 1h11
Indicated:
2h38
